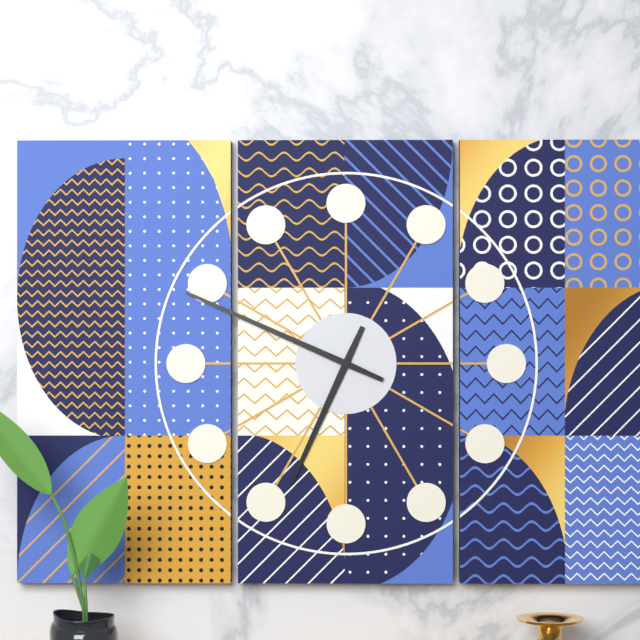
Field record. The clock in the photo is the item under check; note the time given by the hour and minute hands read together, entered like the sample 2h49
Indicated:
6h49
